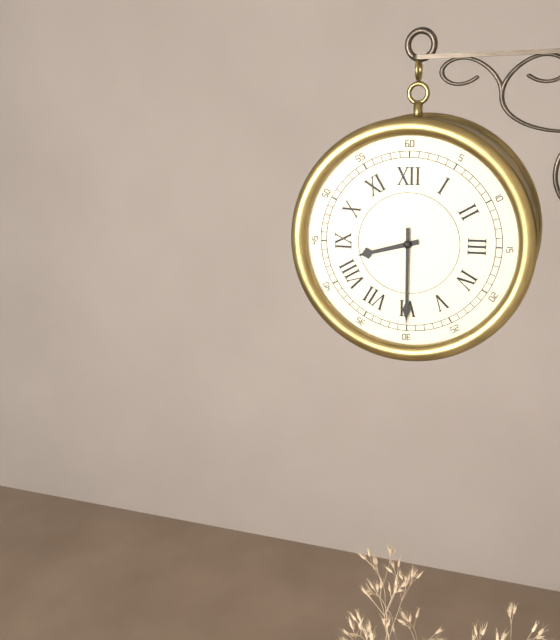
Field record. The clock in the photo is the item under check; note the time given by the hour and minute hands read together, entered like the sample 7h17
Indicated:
8h30
